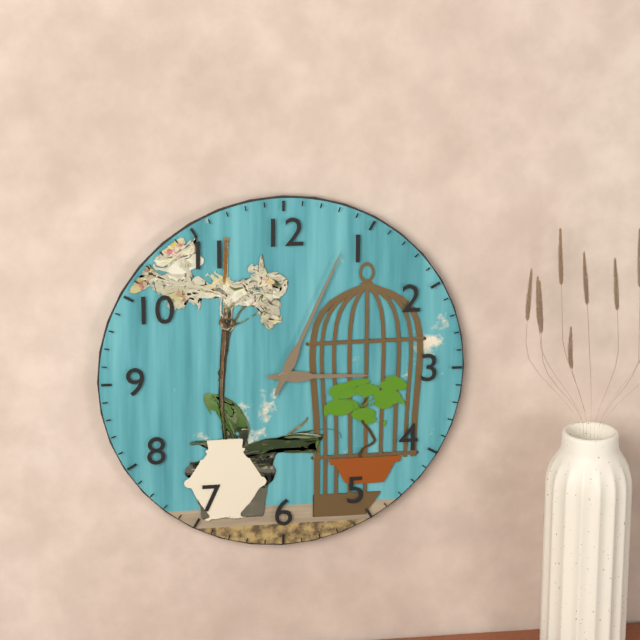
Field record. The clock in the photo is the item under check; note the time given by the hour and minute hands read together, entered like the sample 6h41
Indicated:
3h04
